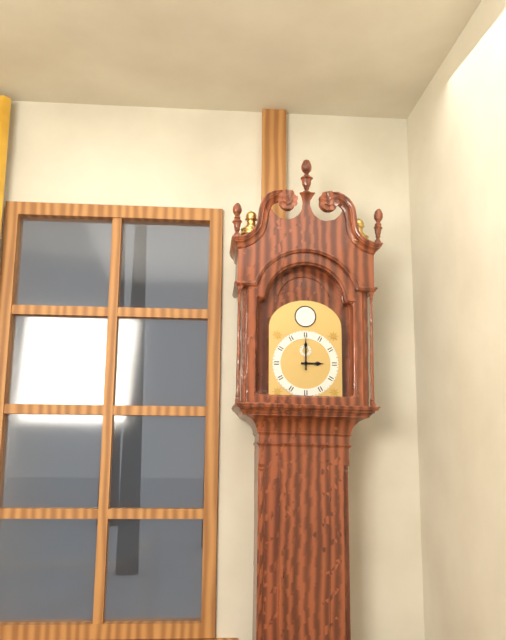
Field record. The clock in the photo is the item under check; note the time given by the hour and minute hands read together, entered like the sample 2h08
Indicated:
3h00
